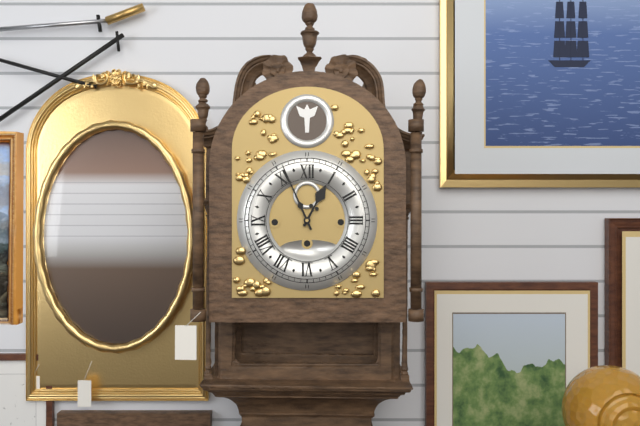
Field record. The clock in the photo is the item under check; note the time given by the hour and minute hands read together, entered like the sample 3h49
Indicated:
12h56
